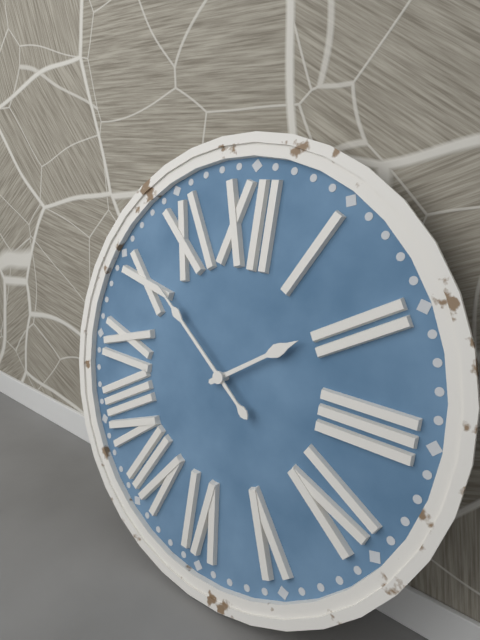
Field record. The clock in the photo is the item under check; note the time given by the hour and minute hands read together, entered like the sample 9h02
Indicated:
1h51
